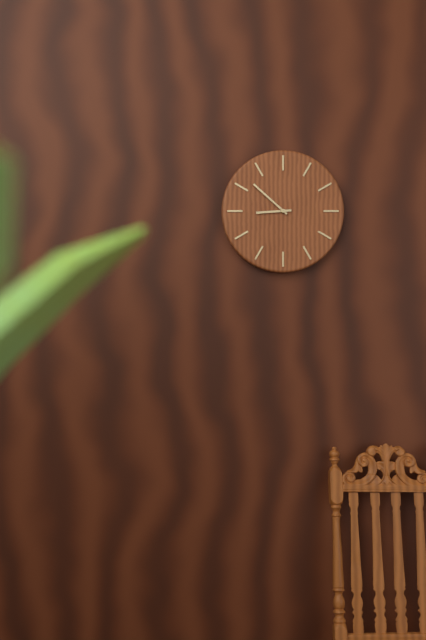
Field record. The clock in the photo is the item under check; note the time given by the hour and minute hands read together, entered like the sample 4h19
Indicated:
8h52
